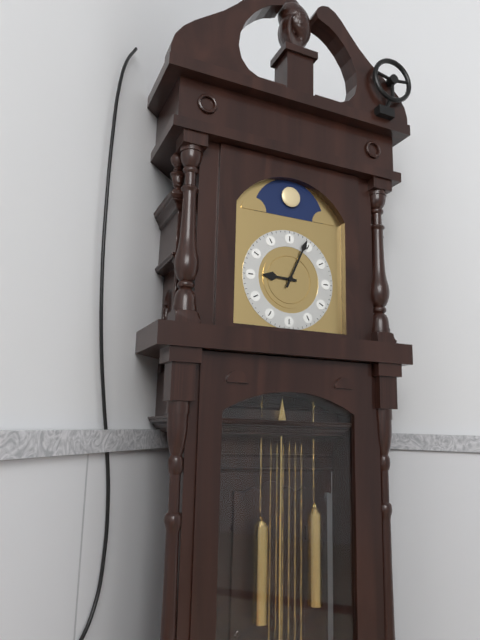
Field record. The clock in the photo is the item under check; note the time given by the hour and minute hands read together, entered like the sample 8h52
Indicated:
9h04
